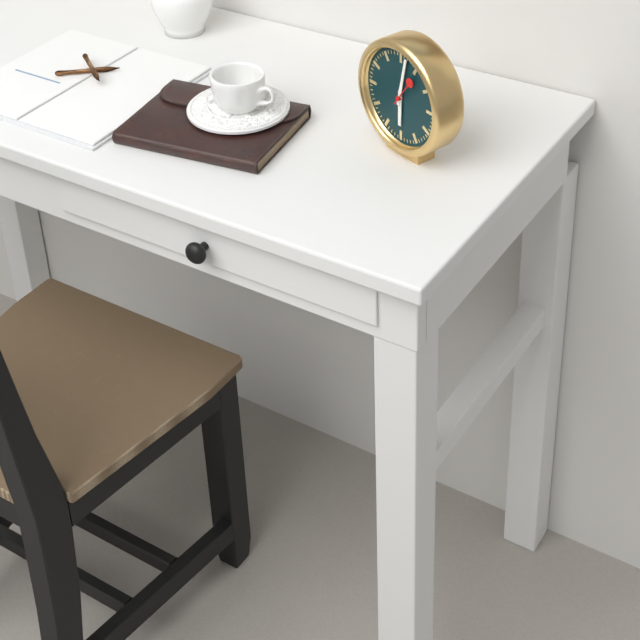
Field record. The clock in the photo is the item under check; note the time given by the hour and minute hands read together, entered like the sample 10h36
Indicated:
6h02
